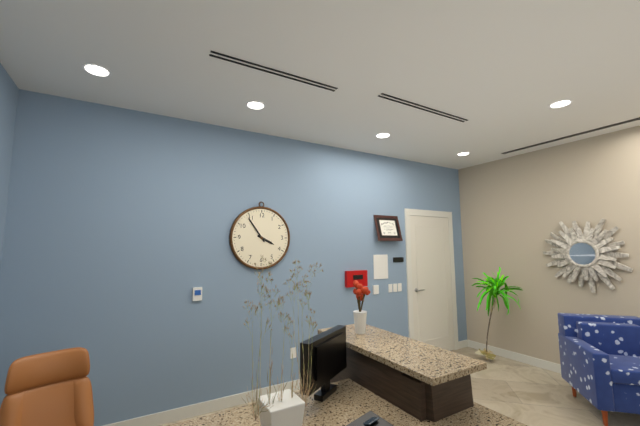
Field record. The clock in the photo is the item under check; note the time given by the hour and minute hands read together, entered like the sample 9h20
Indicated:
3h54
